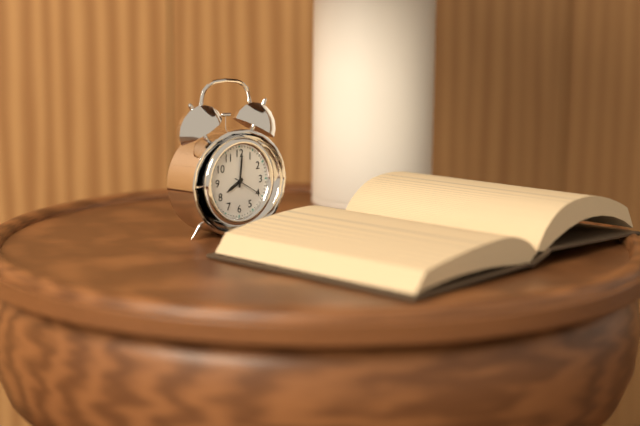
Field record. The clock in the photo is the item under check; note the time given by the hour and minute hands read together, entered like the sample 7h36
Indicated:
8h01
